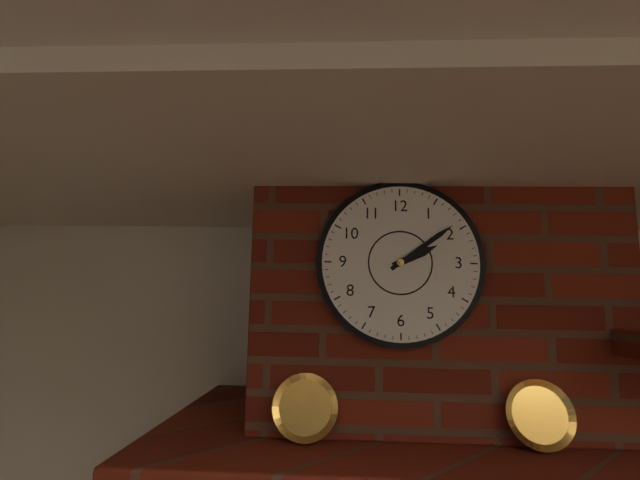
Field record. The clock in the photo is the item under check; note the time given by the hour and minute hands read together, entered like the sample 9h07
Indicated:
2h09
